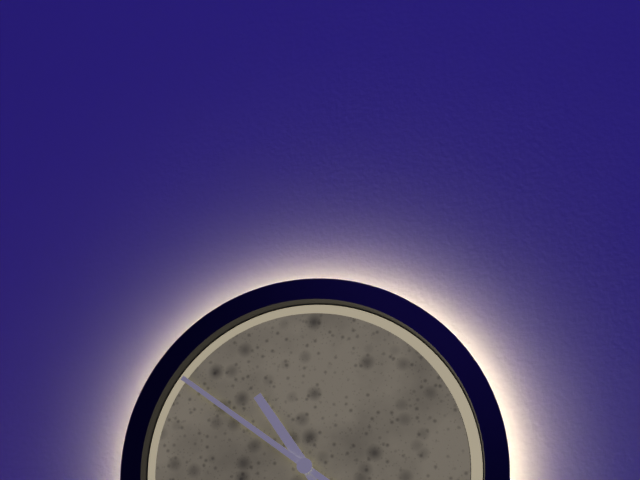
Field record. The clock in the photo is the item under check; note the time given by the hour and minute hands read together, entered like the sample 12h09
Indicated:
10h51
